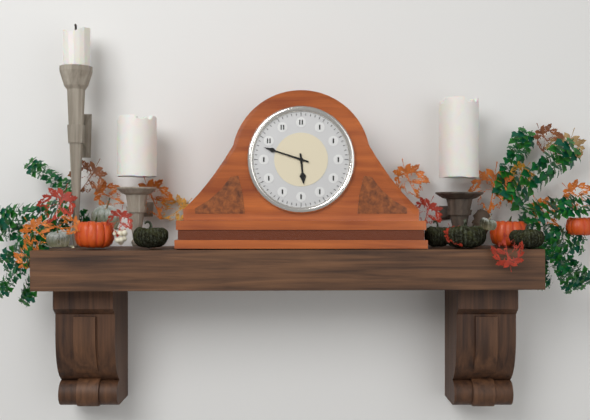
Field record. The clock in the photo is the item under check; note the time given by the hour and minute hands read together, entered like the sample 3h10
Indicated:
5h48
